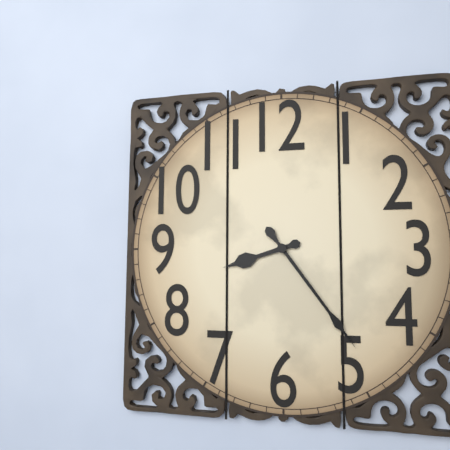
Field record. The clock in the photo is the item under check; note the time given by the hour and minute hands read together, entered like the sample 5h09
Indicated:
8h24
